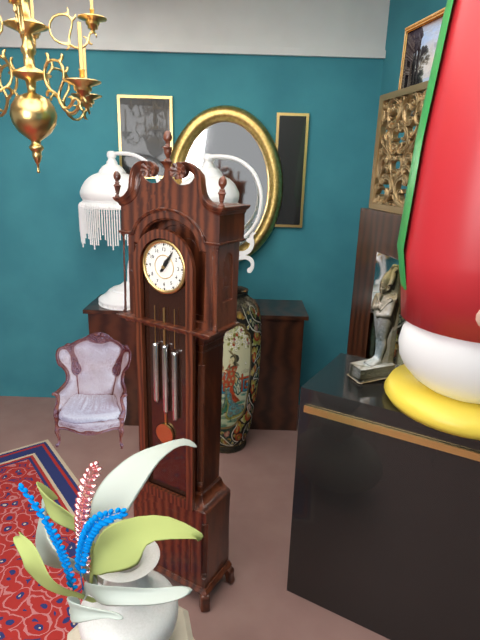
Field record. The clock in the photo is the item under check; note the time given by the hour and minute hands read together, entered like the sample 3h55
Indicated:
1h06
